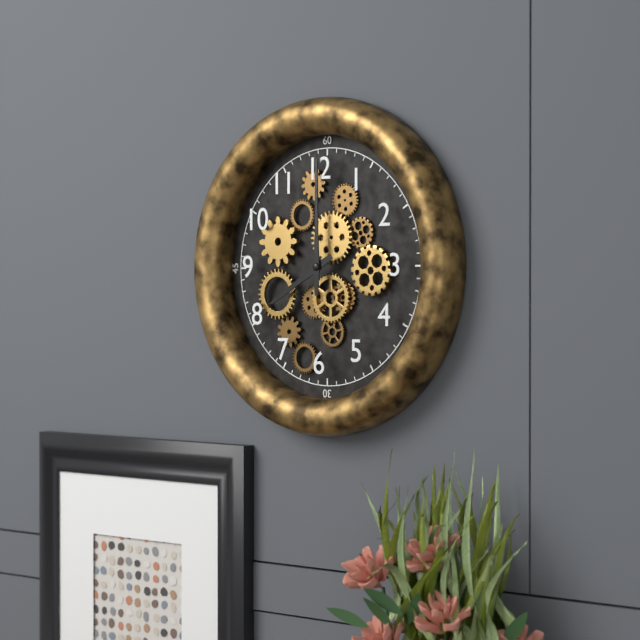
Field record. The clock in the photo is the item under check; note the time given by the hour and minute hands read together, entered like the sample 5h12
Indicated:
8h00
